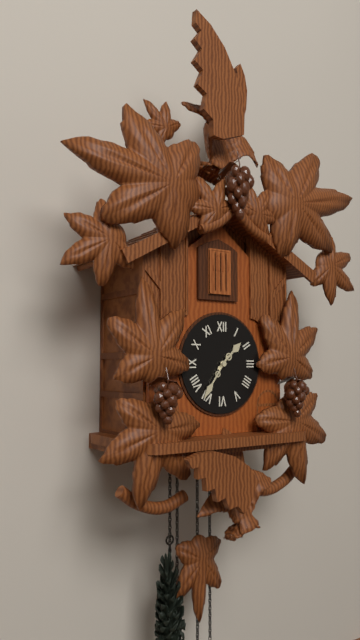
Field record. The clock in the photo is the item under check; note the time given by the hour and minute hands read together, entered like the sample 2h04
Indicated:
1h36
